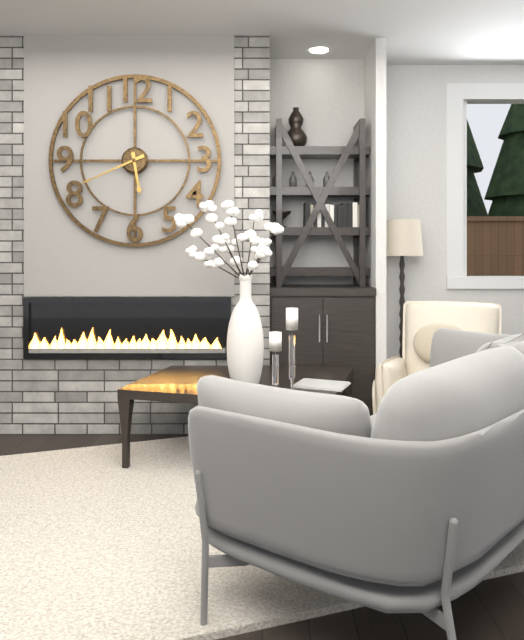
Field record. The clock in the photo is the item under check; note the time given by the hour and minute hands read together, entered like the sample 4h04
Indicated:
5h41
